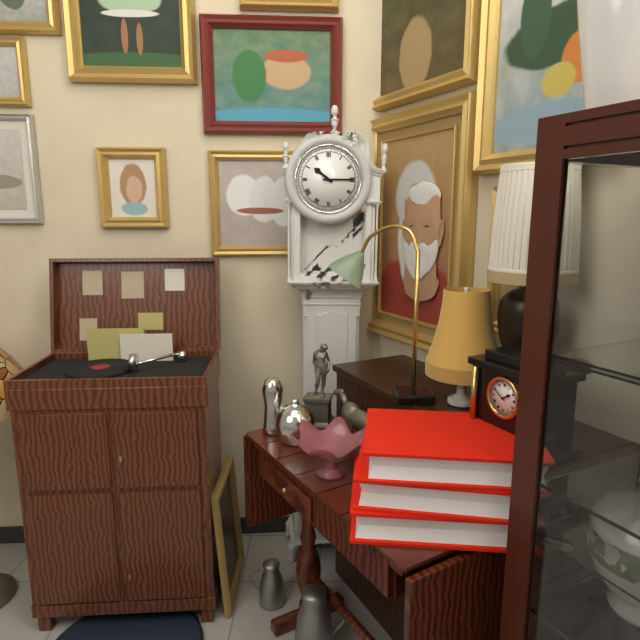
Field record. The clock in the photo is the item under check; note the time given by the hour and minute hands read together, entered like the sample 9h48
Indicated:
10h15
